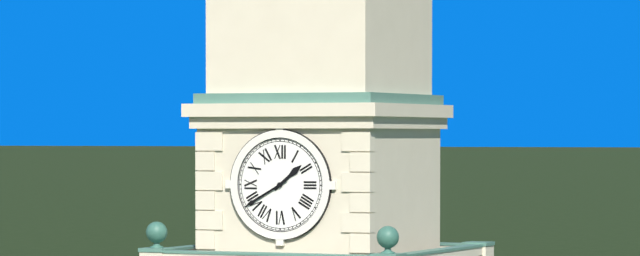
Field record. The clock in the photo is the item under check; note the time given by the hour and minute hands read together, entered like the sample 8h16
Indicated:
1h40
